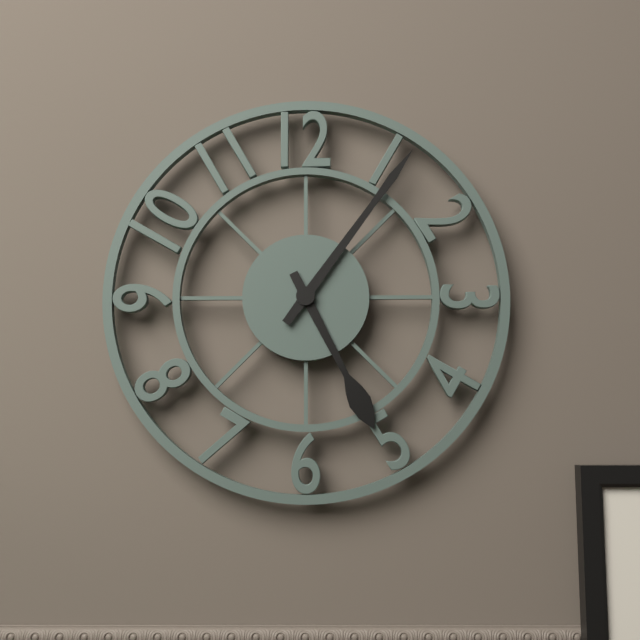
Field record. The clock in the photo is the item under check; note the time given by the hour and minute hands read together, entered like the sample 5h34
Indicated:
5h06
